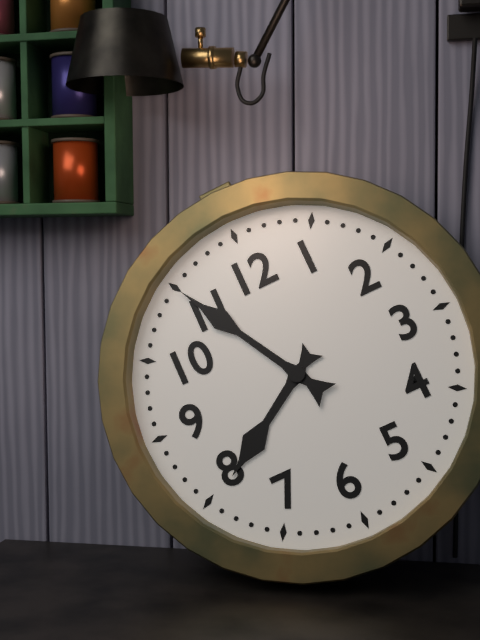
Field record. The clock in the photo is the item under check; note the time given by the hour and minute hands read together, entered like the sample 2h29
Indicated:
7h55
